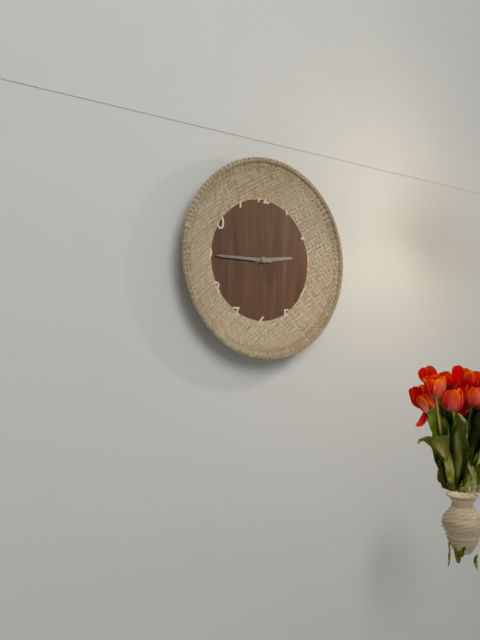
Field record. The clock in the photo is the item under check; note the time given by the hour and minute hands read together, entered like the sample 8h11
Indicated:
2h45
